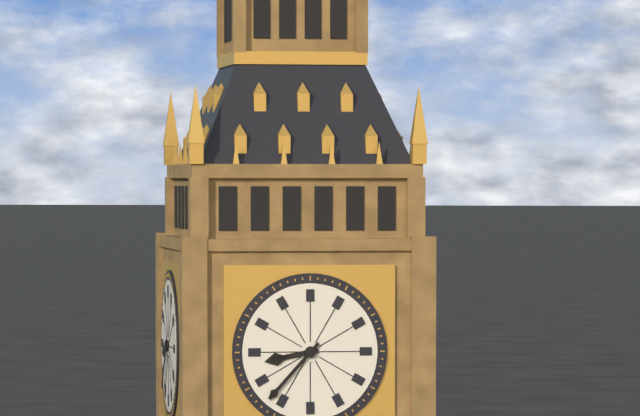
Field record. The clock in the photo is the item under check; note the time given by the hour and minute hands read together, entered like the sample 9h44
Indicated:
8h37
